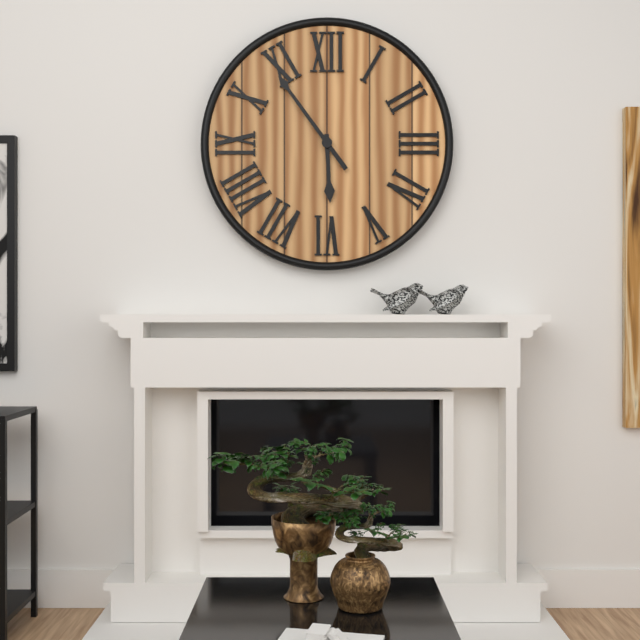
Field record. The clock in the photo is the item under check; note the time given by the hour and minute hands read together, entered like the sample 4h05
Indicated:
5h54
